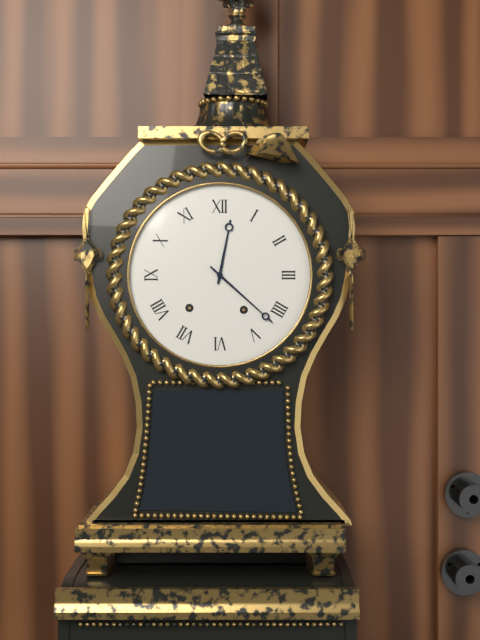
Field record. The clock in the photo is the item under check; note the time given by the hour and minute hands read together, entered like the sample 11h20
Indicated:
12h22
